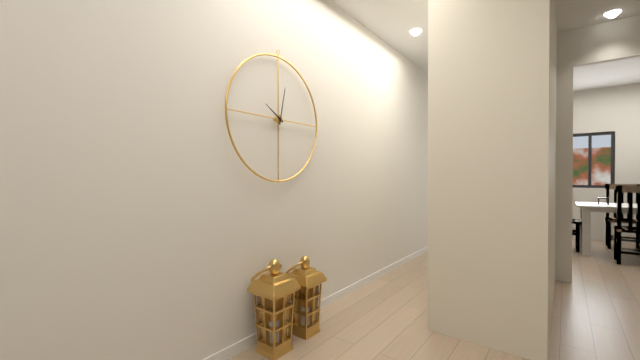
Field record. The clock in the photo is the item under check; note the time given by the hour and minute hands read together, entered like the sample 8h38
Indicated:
10h02
